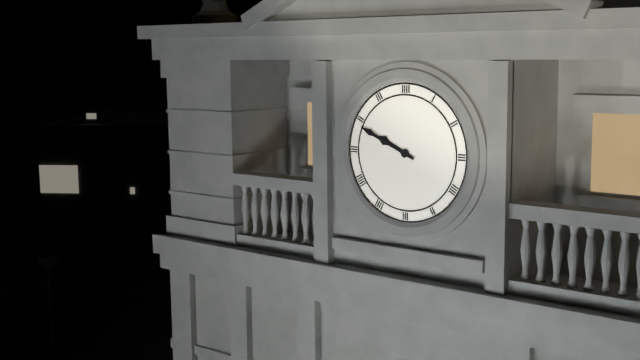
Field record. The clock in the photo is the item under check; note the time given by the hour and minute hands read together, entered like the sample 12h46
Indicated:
9h49
